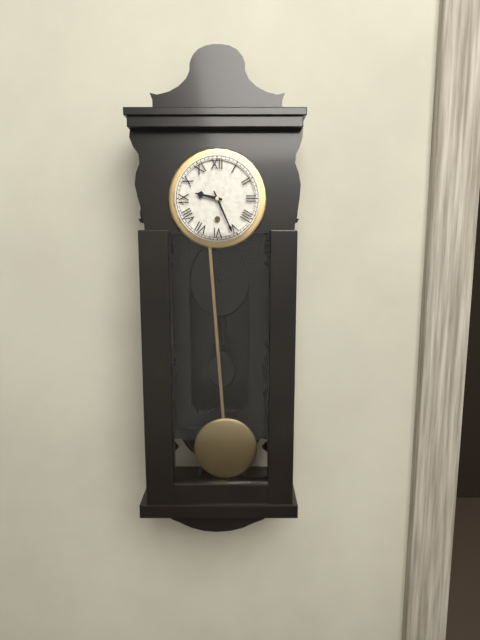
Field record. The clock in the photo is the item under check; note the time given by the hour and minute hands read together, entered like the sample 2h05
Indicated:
9h26
